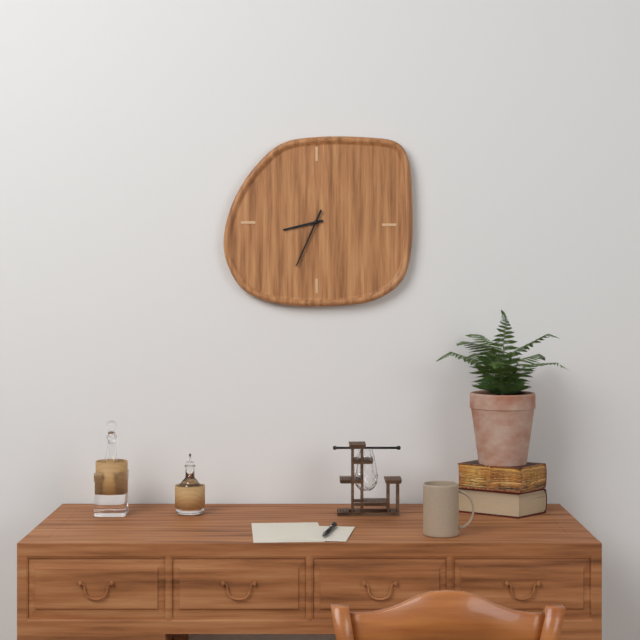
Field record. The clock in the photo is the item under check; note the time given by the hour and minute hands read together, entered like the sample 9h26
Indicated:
8h34
